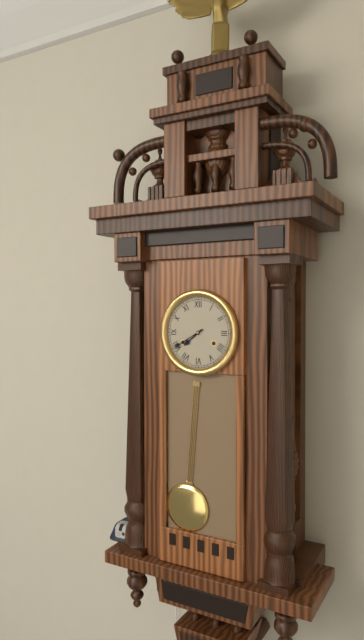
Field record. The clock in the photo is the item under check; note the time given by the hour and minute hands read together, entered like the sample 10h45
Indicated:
7h40
